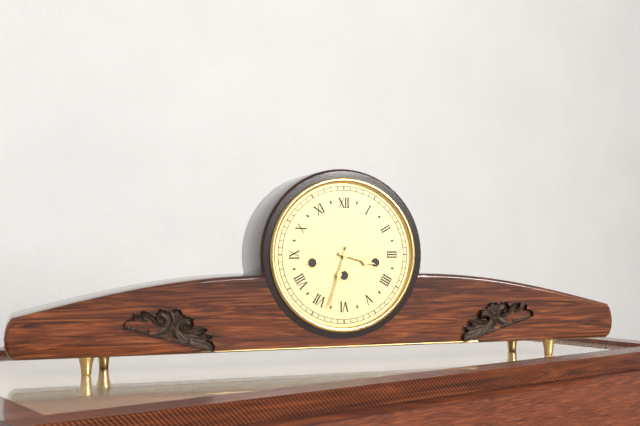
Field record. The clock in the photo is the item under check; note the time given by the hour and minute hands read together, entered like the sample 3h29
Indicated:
3h33
